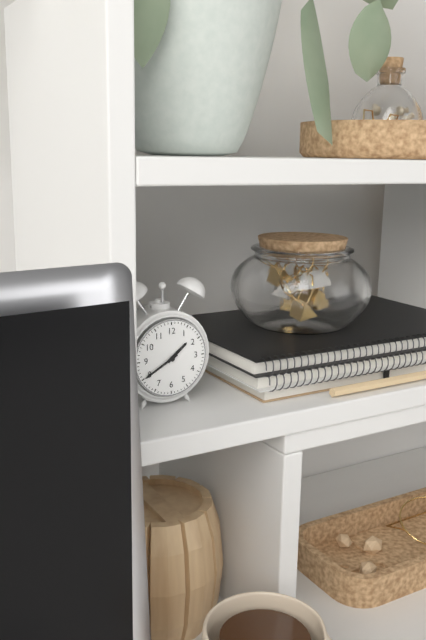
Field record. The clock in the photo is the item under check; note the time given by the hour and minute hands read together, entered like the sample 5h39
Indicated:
1h40
